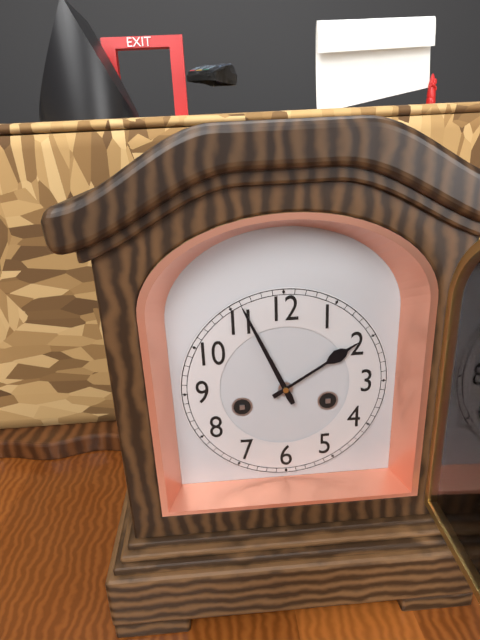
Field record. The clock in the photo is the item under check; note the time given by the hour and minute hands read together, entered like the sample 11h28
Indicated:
1h56
